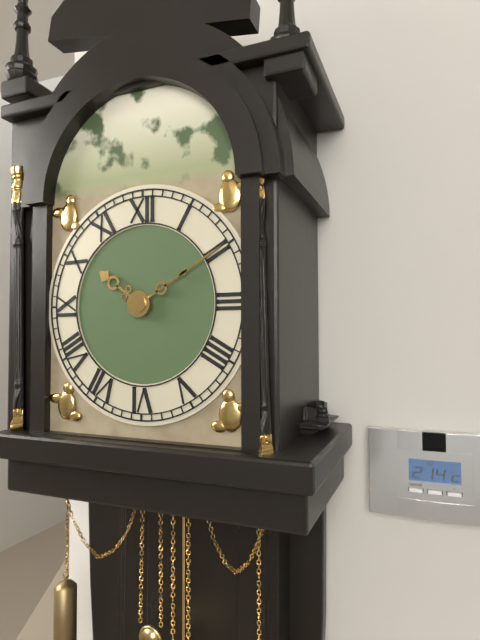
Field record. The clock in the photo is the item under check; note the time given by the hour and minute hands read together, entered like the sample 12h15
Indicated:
10h10
